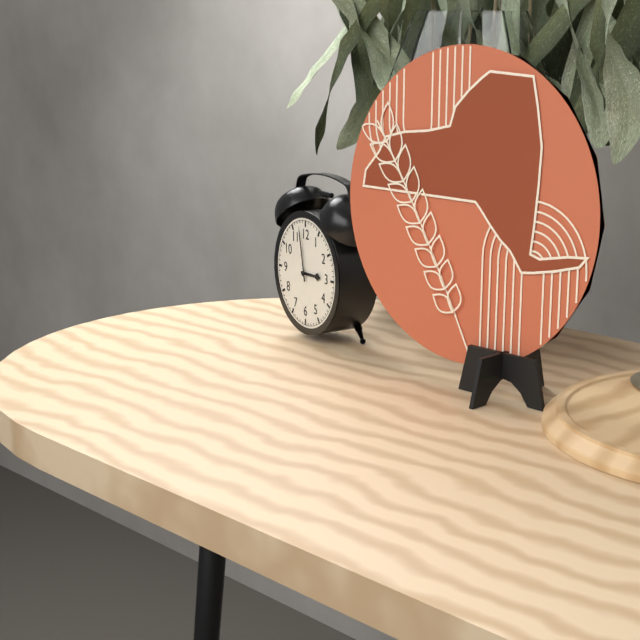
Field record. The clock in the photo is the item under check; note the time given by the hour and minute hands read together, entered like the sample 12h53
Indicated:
2h58
